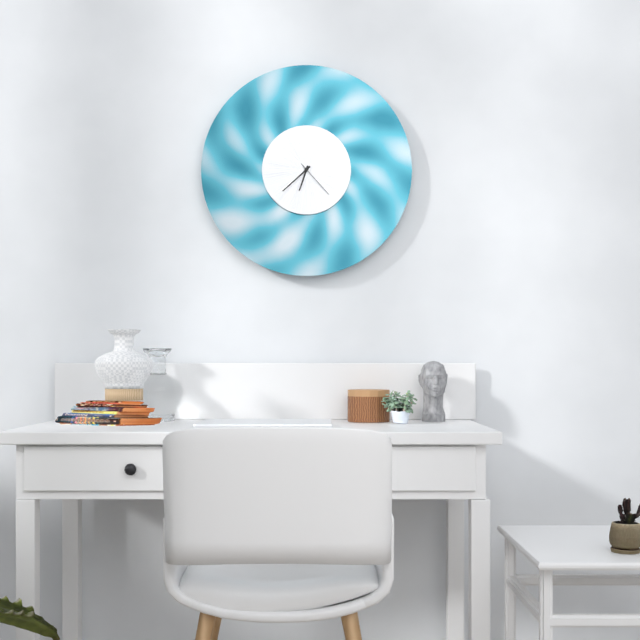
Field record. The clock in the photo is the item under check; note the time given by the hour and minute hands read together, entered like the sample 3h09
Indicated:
6h38
